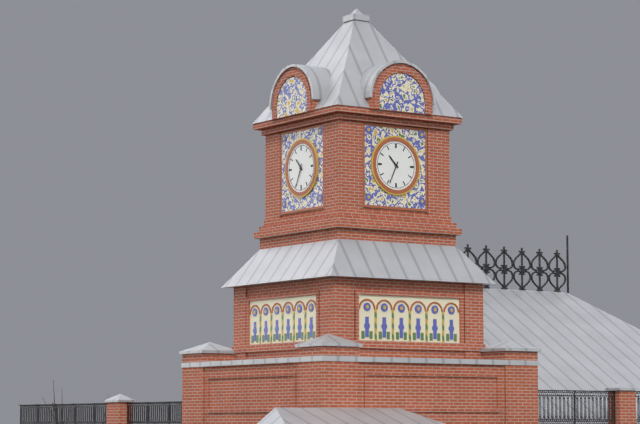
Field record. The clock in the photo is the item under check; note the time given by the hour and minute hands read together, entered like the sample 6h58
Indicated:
10h34
